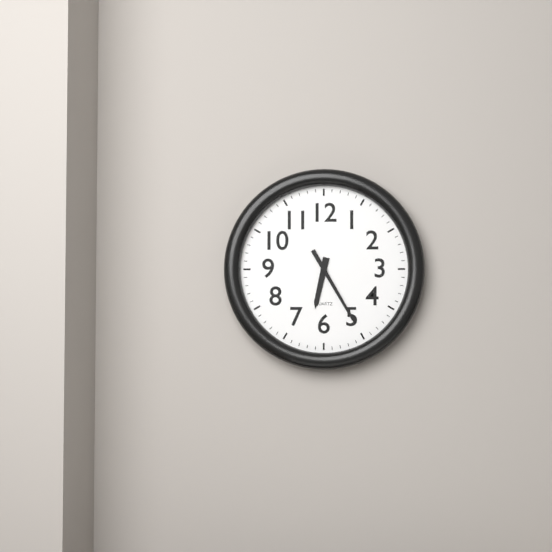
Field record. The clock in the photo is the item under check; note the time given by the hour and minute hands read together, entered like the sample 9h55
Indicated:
6h25
